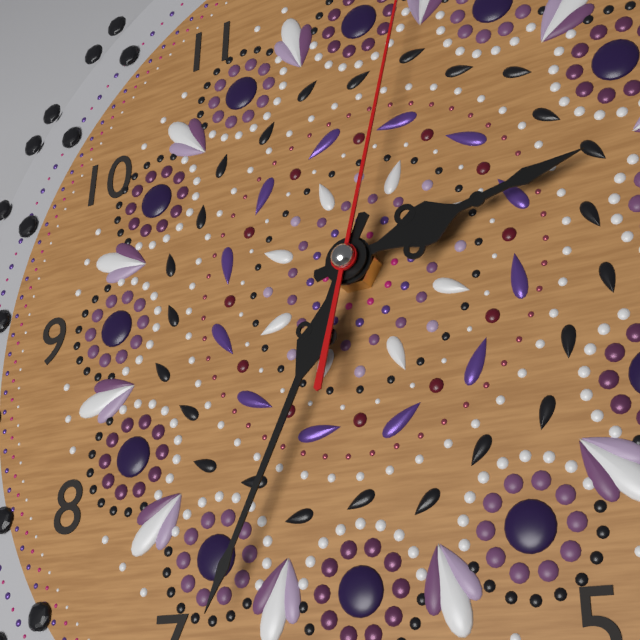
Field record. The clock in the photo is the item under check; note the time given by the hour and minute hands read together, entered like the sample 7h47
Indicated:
2h34
